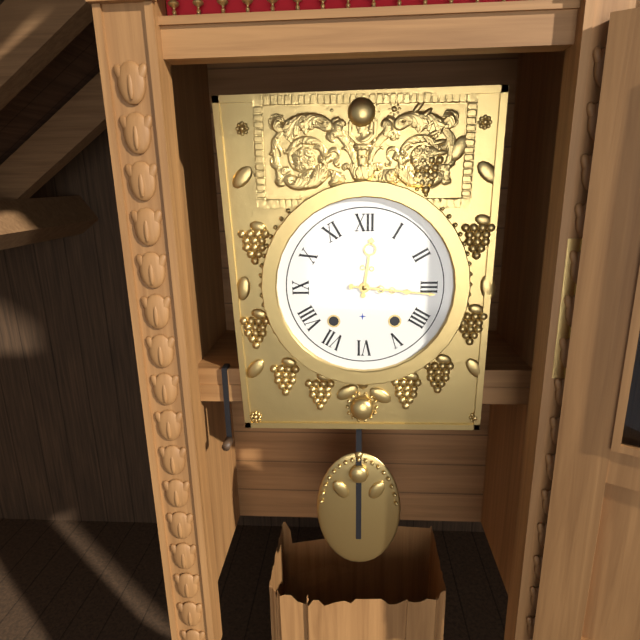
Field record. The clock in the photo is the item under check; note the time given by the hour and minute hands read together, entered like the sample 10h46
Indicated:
12h16
